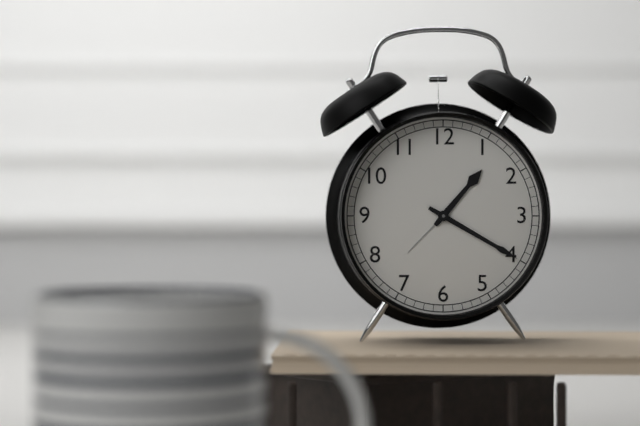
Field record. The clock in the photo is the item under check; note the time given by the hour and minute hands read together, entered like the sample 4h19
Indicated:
1h20
